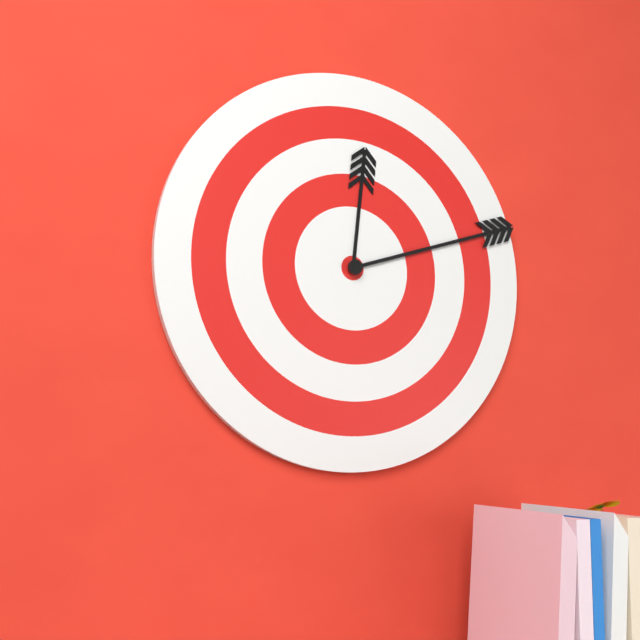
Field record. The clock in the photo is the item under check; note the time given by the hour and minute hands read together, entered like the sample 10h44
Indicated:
12h12
